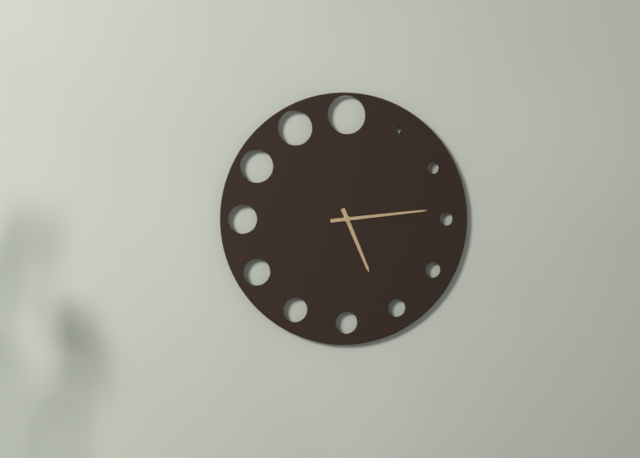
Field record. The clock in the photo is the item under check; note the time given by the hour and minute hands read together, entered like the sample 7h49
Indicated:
5h14
